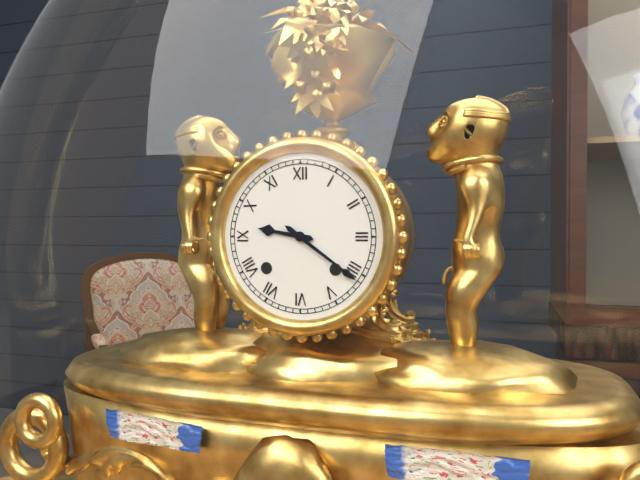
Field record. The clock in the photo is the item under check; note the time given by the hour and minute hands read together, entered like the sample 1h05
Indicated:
9h21
